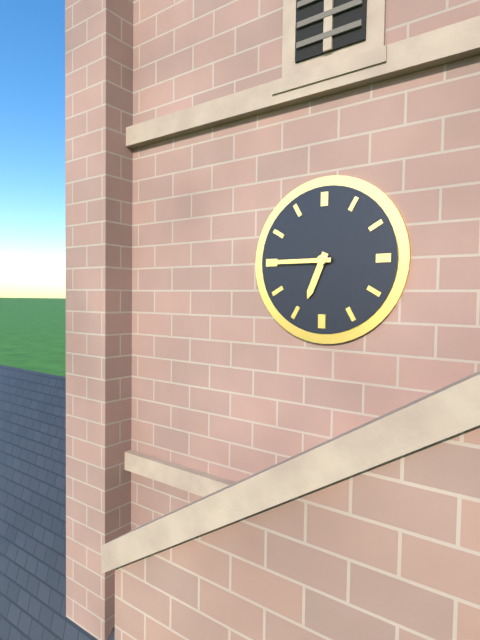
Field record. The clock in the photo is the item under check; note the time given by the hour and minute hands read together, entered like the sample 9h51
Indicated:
6h45
